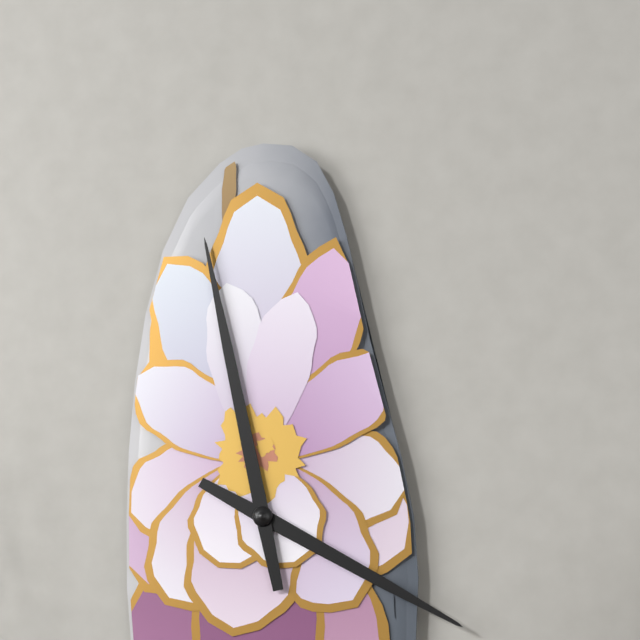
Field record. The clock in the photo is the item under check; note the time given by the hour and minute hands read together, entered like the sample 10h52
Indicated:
3h58
